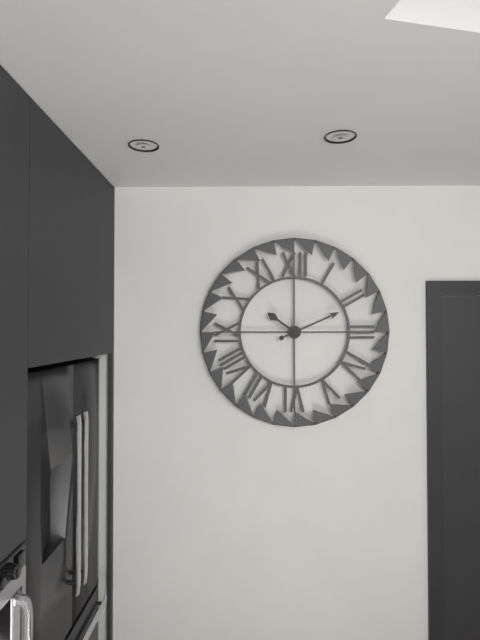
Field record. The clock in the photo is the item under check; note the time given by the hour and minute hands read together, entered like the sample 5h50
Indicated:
10h11
